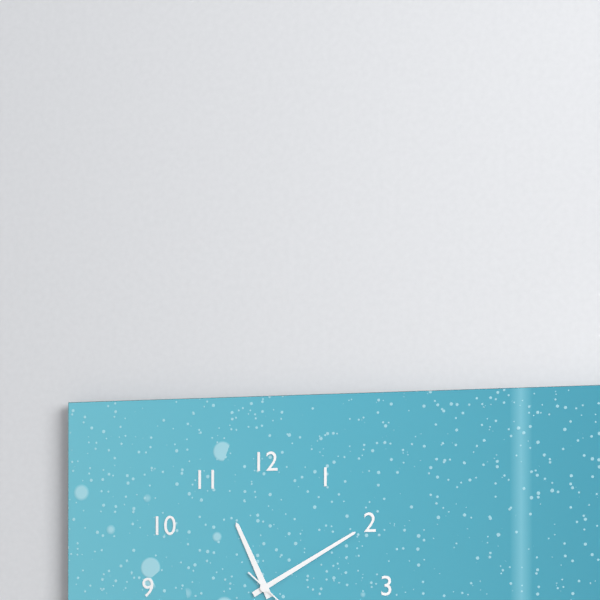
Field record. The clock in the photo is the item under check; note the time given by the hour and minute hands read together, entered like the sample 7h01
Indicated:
11h10
